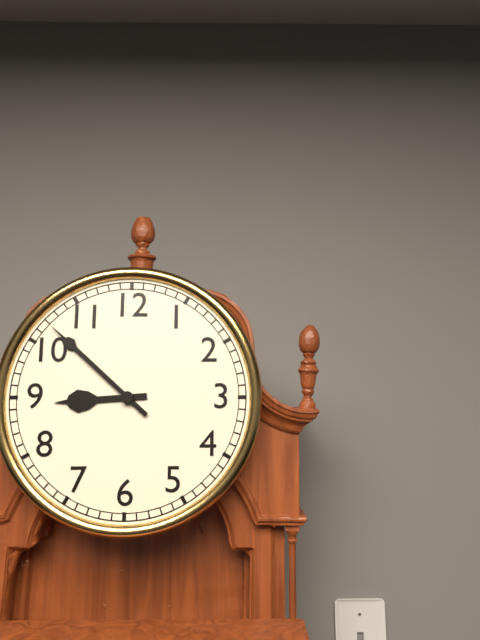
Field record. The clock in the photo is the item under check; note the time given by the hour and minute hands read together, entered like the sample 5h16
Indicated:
8h52
